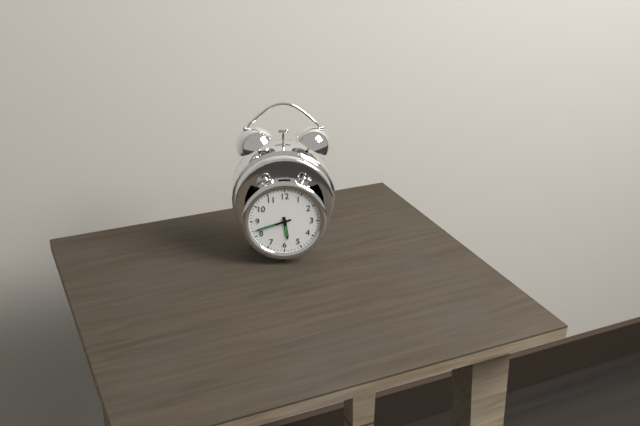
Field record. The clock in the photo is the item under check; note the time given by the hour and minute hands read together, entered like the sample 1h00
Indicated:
5h42
